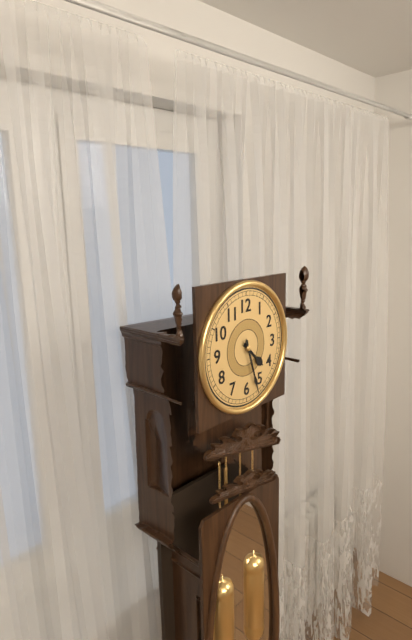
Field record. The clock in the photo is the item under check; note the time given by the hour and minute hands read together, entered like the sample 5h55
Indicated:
4h27
